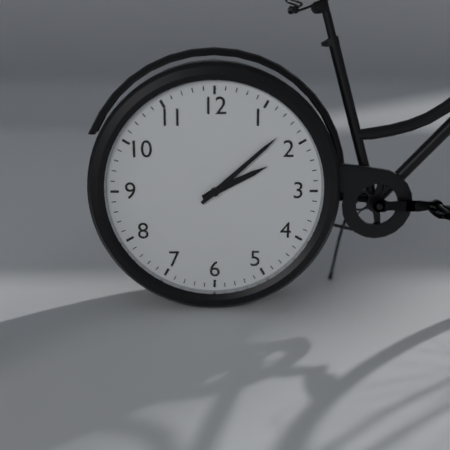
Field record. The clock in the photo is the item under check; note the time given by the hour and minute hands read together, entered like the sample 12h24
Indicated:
2h08
